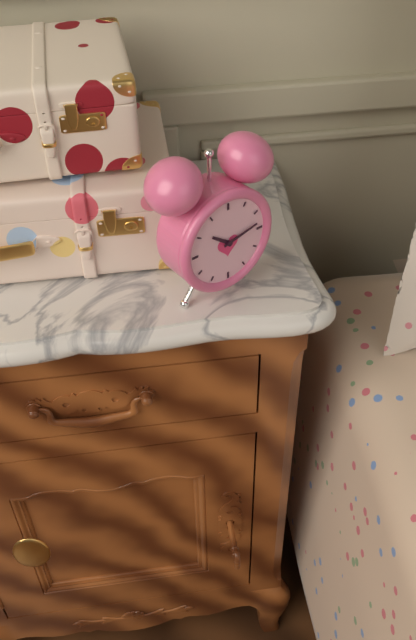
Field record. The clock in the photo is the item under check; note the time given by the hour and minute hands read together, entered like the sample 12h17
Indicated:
10h13
